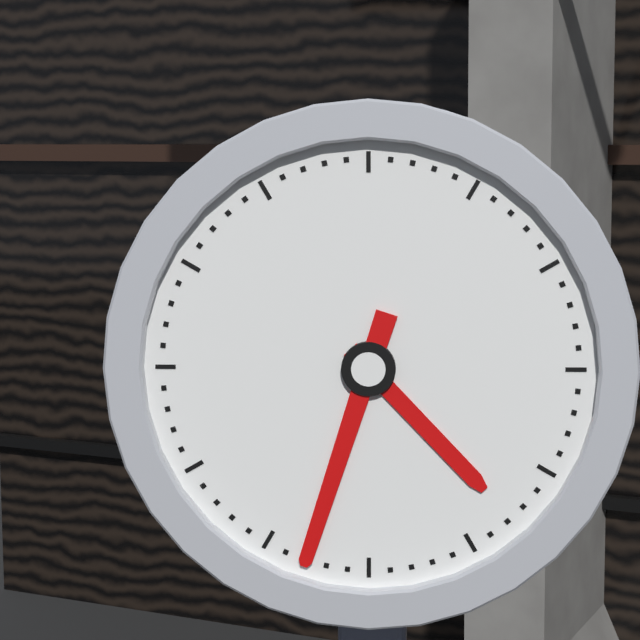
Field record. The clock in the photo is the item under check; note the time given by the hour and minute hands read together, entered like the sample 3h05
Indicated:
4h33
